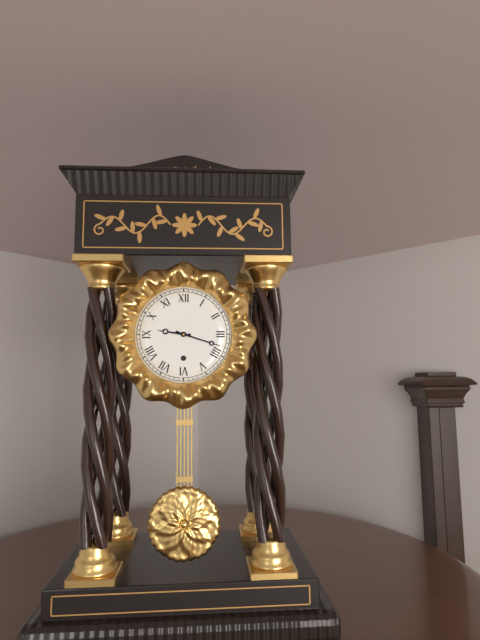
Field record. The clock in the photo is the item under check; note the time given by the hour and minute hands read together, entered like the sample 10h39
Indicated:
9h18
